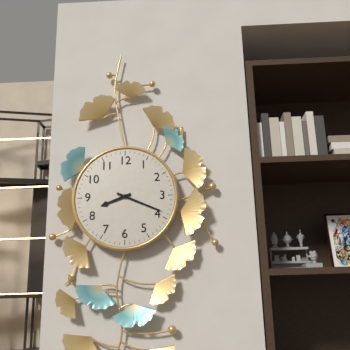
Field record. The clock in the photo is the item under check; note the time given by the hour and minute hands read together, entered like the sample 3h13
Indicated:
8h19
